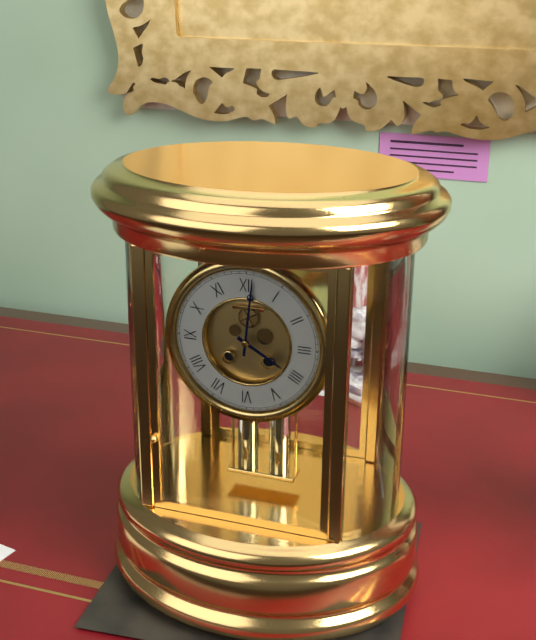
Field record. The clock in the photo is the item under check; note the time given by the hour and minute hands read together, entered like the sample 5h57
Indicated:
4h01
